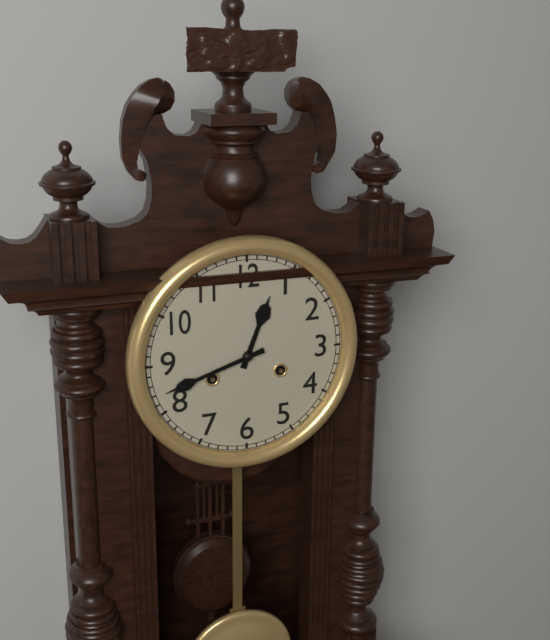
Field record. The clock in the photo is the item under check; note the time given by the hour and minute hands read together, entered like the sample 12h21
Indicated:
12h42
